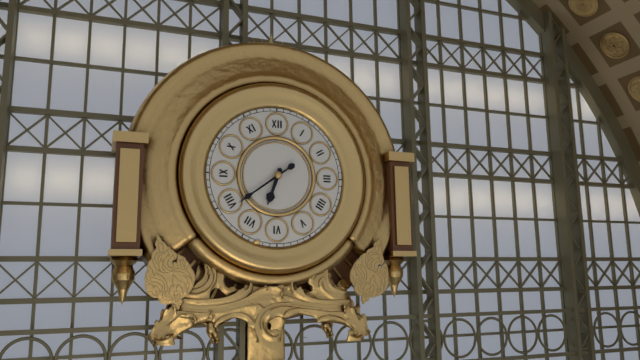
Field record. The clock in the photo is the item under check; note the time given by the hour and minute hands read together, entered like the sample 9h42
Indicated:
6h39
